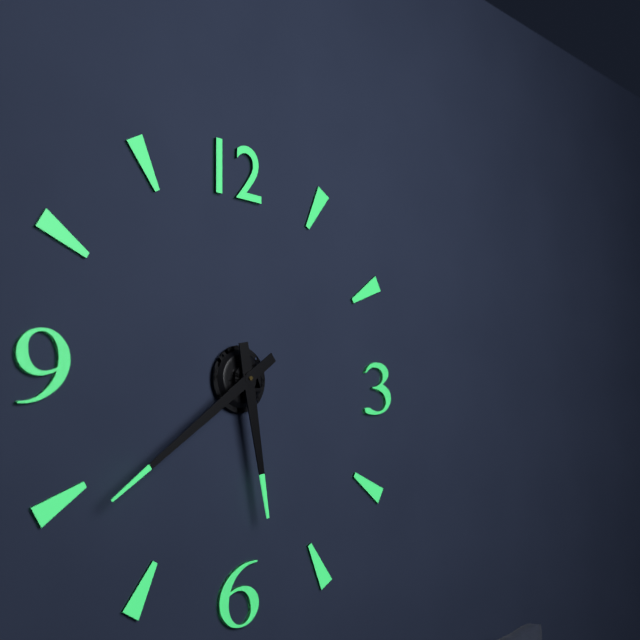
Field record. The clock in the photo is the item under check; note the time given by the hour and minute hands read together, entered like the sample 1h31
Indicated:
5h39
